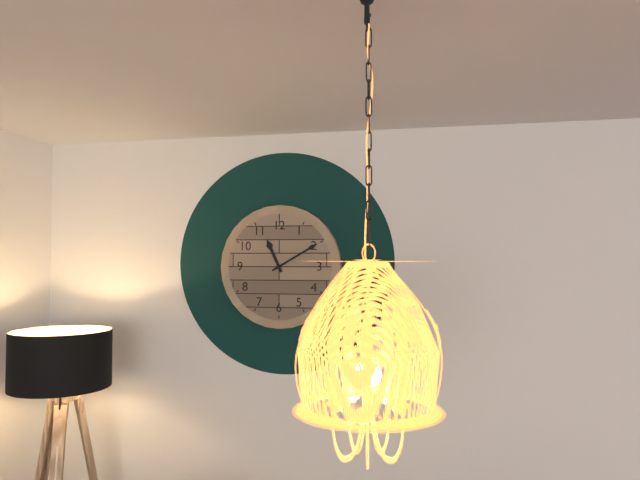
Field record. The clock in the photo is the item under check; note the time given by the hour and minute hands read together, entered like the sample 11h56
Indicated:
11h10
